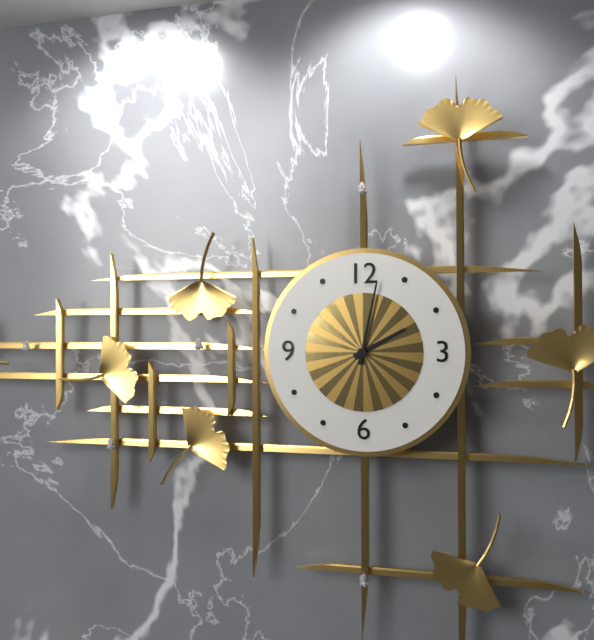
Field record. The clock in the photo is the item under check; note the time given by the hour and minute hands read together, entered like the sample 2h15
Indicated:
2h02
